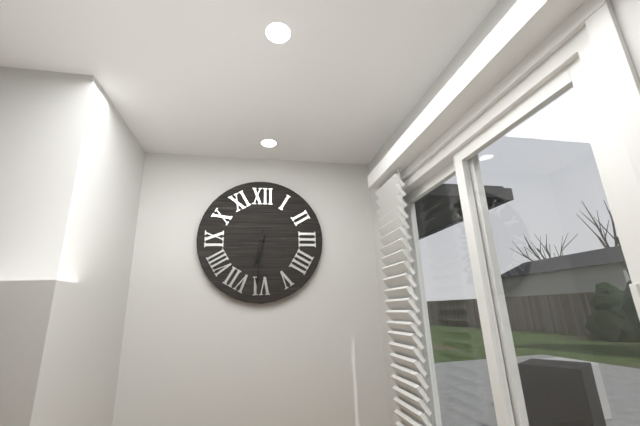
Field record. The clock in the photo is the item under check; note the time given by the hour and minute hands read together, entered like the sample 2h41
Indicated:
6h31
